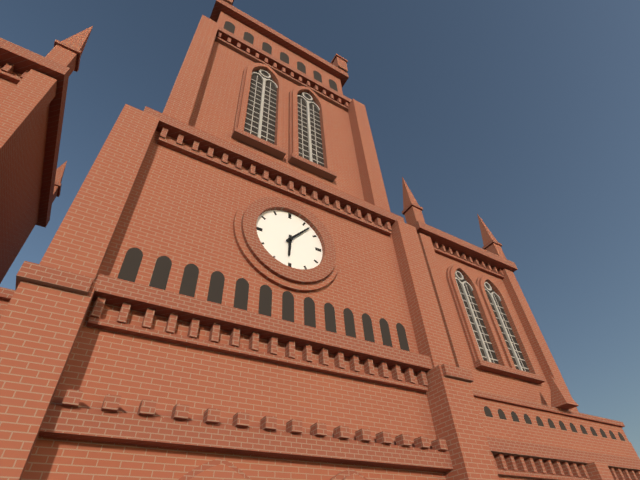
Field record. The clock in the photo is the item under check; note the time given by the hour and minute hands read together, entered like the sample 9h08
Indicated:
6h07
